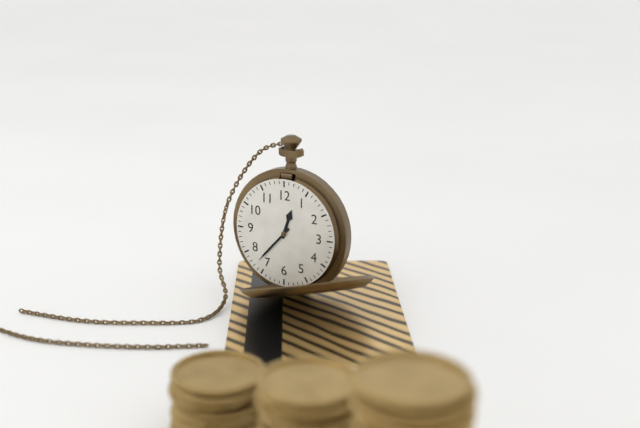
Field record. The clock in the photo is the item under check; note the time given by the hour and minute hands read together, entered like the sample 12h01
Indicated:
12h37
